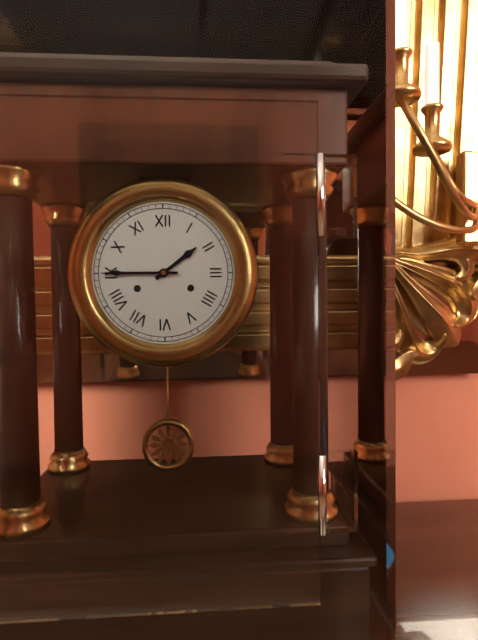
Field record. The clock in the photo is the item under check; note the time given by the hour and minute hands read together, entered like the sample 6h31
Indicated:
1h45
